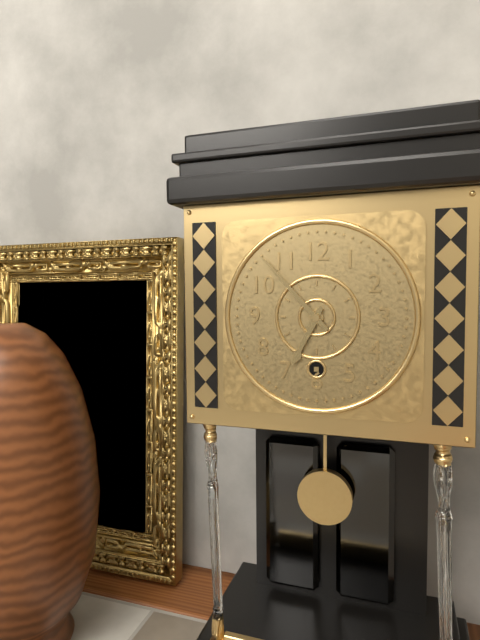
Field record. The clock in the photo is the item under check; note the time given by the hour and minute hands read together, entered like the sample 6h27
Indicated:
6h53
